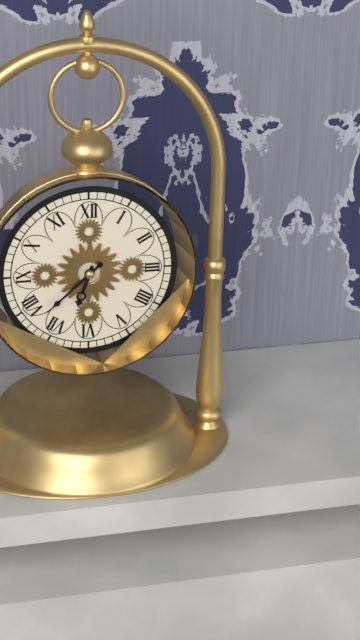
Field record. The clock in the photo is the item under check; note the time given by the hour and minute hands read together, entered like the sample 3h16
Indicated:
6h38
